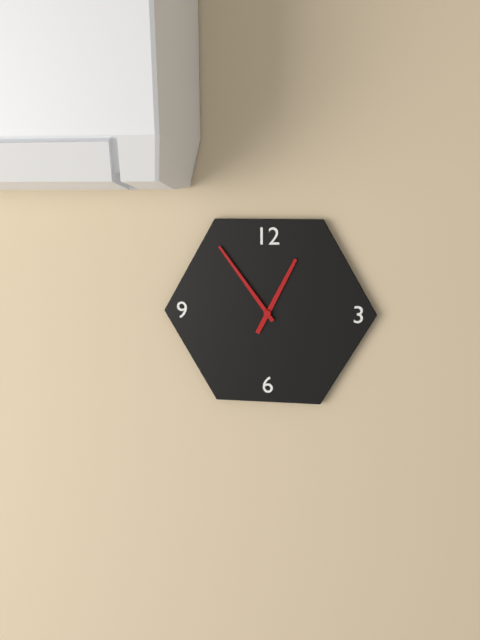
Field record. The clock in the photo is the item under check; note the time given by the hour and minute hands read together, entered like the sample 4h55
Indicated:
12h54
